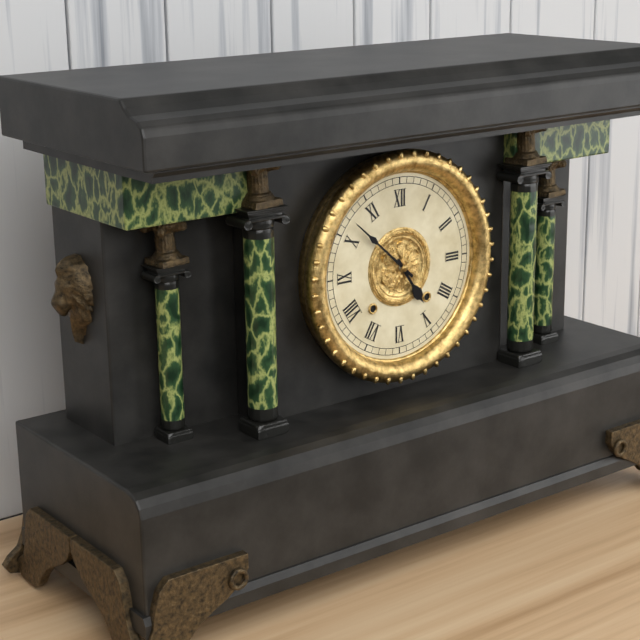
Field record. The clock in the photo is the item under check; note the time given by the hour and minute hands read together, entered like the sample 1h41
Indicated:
4h52
